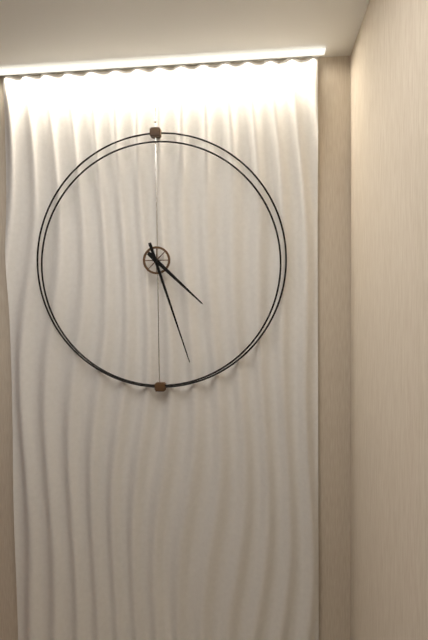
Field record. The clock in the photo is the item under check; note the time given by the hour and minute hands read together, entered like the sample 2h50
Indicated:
4h27
